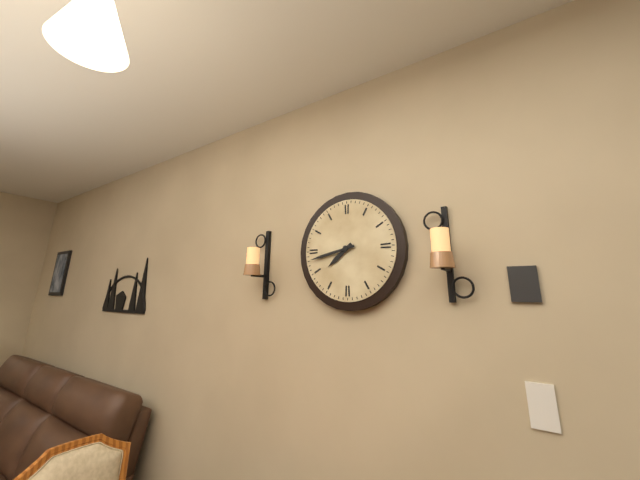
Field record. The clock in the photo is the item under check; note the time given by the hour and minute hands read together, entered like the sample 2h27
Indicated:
7h43
